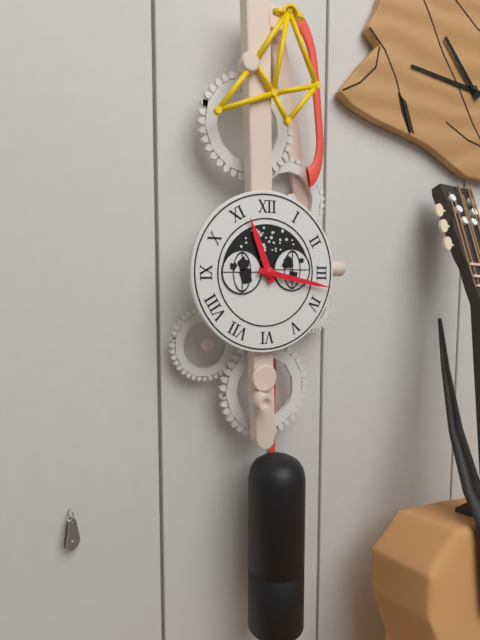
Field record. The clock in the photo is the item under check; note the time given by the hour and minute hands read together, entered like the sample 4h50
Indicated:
11h17
